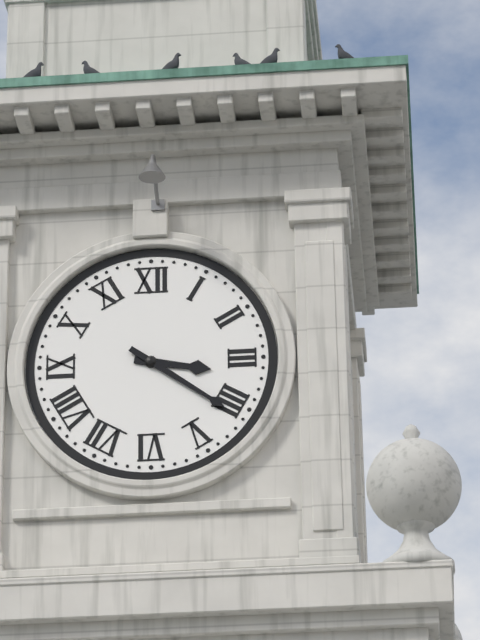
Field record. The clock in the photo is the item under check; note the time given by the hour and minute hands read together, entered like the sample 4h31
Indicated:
3h21
